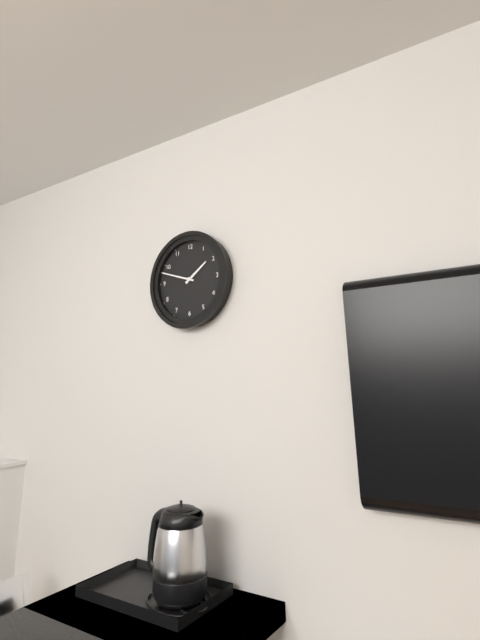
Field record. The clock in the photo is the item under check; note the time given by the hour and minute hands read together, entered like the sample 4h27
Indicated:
1h48
